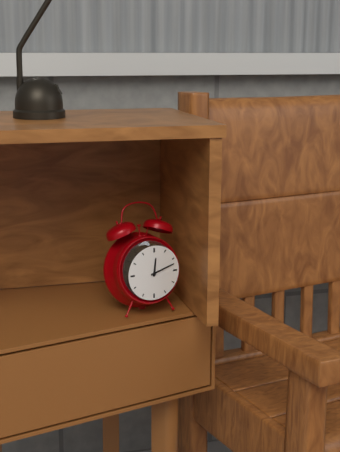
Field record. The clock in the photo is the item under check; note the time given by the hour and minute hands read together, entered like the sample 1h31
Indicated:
12h12
